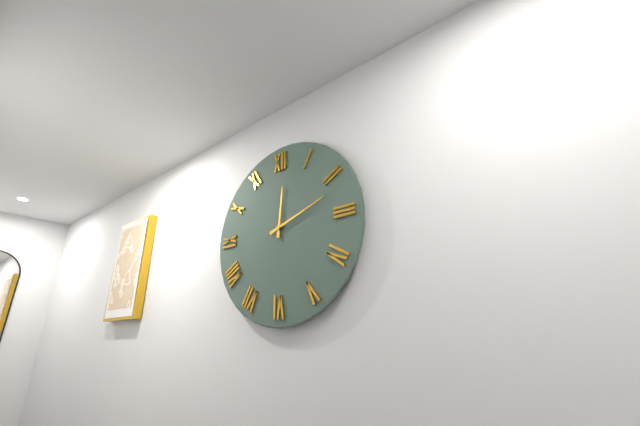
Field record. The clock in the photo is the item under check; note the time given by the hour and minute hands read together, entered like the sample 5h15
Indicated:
12h12
